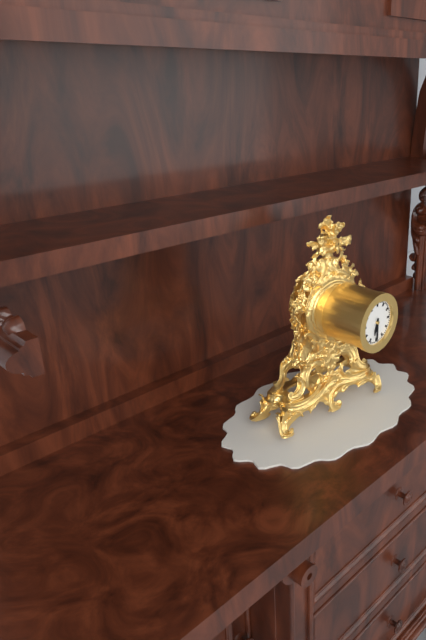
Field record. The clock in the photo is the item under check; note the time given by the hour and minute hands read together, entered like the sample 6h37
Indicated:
6h30
